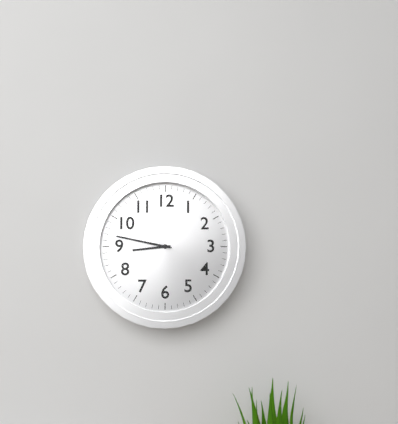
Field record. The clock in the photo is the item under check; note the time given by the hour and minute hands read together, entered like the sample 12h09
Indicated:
8h47
